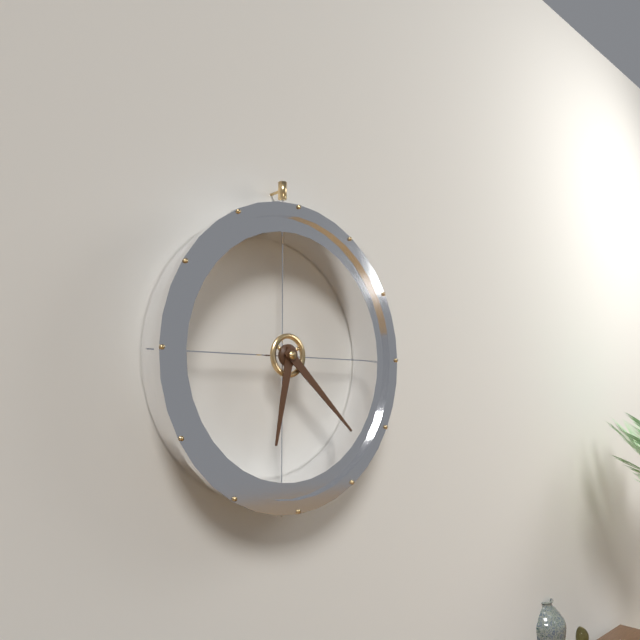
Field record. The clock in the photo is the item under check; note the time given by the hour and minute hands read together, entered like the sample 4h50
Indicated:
6h22
